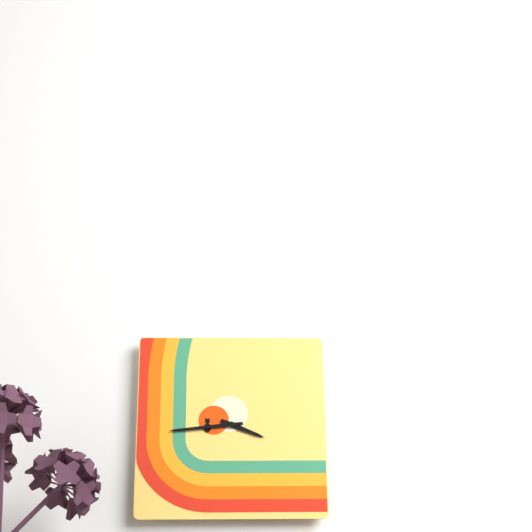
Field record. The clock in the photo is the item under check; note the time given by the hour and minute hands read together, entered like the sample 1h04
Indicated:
3h44
